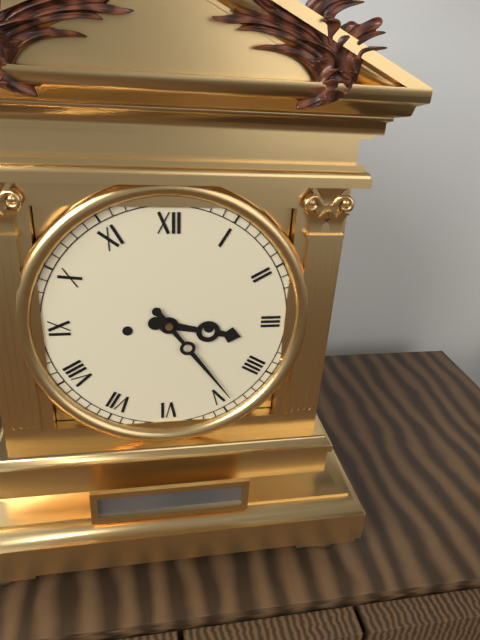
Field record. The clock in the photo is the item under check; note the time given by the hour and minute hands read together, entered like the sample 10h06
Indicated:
3h24
